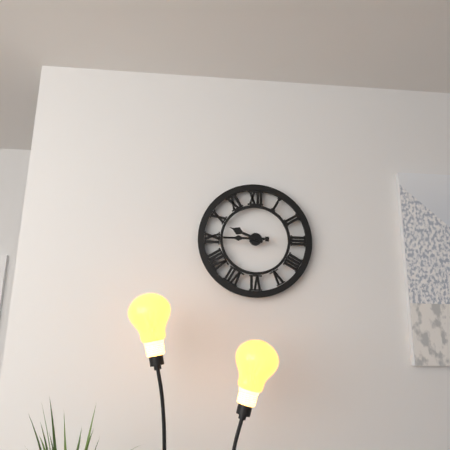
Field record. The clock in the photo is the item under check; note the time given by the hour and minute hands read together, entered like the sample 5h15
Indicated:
9h45
